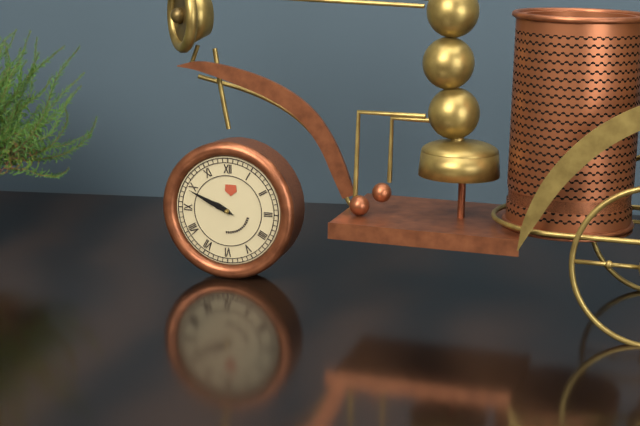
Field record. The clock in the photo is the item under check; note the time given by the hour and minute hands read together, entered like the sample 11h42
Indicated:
9h49
